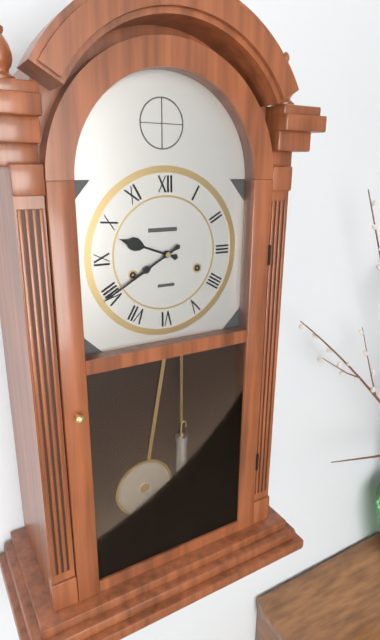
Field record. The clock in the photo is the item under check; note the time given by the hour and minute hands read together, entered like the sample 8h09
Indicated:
9h40
